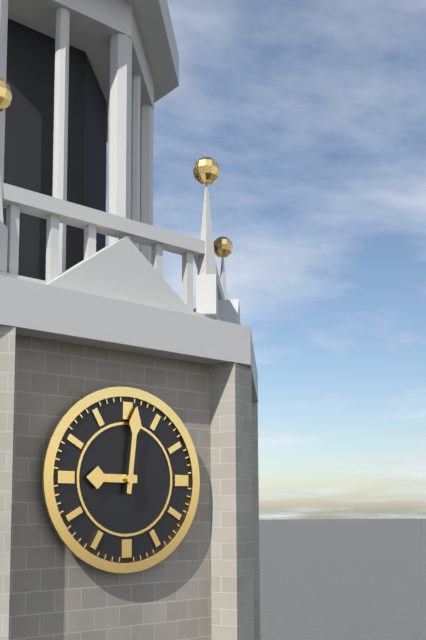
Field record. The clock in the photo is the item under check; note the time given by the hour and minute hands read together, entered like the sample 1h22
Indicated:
9h01
